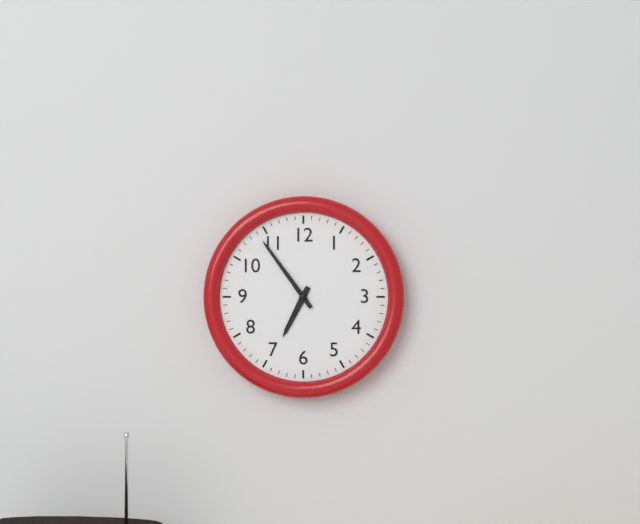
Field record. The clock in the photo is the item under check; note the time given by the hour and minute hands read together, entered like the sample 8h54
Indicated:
6h54
